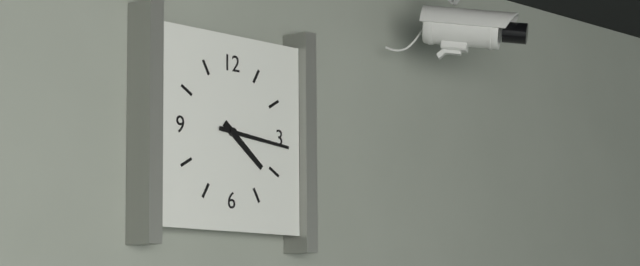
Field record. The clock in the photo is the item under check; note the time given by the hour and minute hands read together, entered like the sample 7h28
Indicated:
4h16
